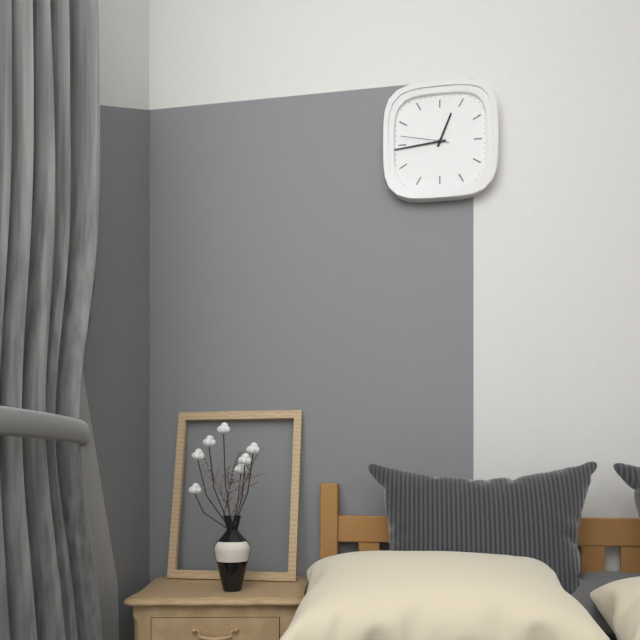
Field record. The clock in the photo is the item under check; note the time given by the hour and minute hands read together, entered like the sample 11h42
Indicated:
12h44
